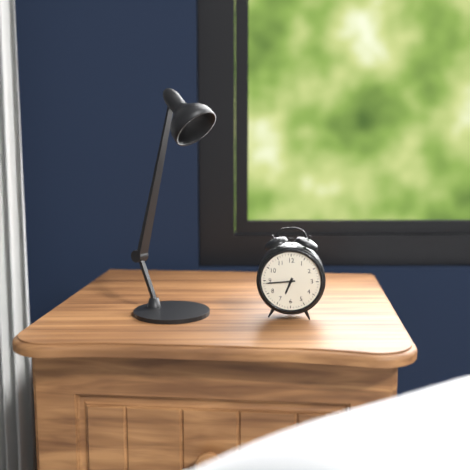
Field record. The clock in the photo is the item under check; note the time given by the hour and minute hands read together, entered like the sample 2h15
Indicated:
6h44
